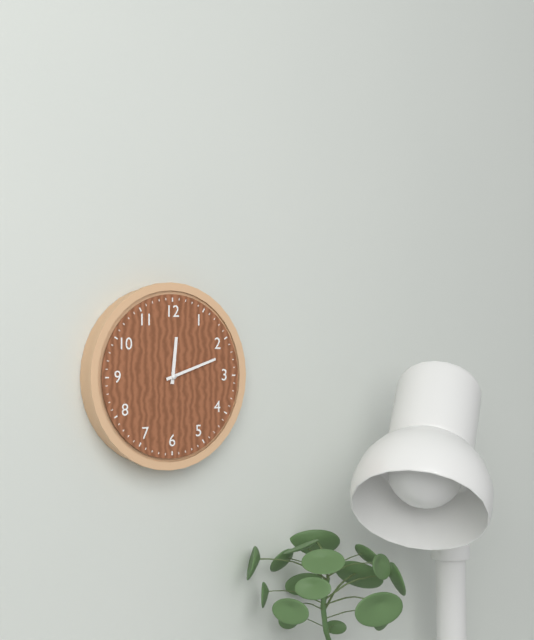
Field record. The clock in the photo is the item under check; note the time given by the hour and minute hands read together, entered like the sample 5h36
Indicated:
12h12
